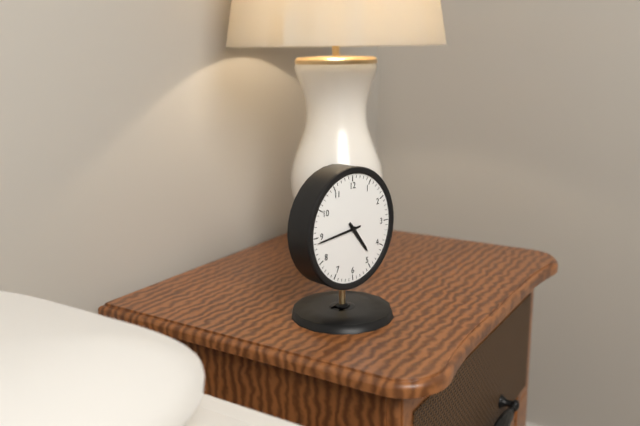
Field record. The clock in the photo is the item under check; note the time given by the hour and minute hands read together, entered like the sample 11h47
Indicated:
4h44
